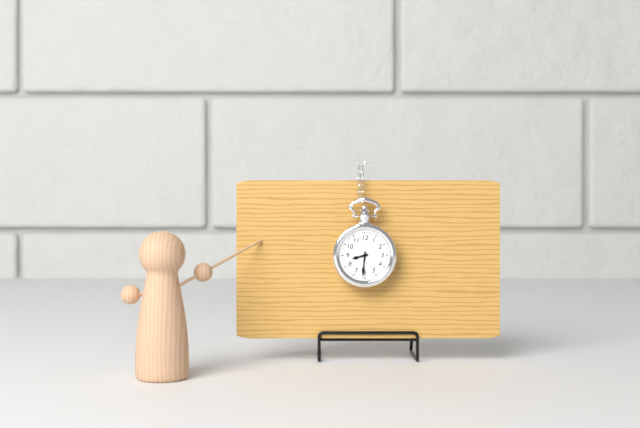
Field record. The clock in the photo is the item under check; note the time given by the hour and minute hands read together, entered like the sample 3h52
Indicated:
8h31
